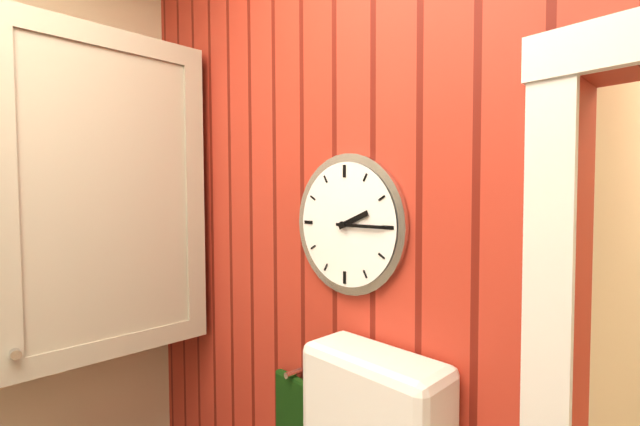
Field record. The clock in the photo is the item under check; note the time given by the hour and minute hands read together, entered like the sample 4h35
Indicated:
2h15
